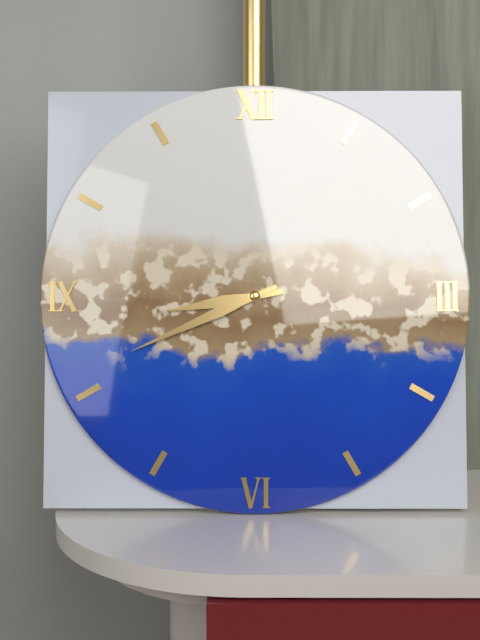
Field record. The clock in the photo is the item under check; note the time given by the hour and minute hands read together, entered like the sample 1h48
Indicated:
8h41
